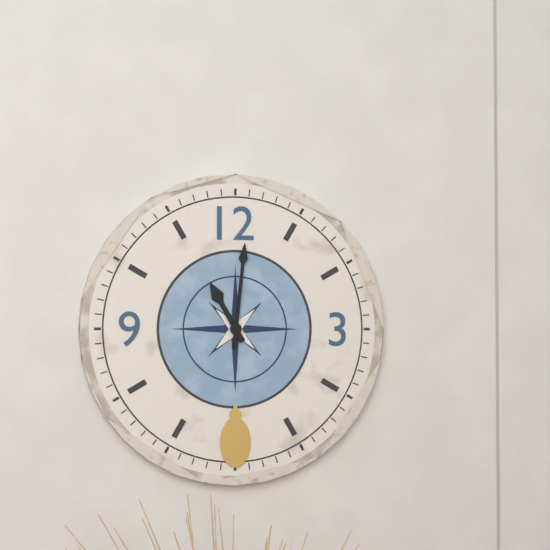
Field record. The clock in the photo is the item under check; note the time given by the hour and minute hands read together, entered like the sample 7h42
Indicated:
11h01
